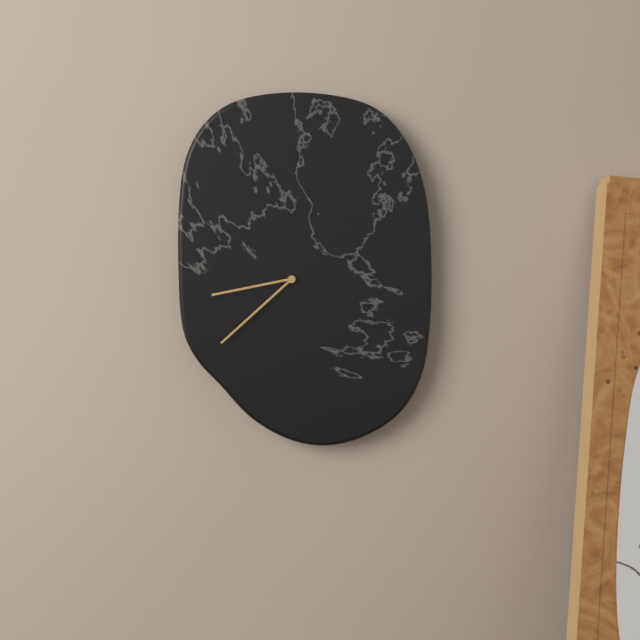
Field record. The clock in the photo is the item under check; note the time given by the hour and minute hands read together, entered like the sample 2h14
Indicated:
8h38
